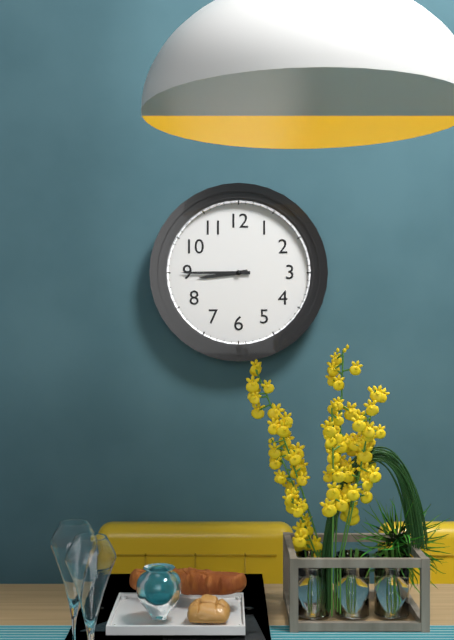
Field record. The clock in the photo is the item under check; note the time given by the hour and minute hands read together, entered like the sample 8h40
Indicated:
8h45
